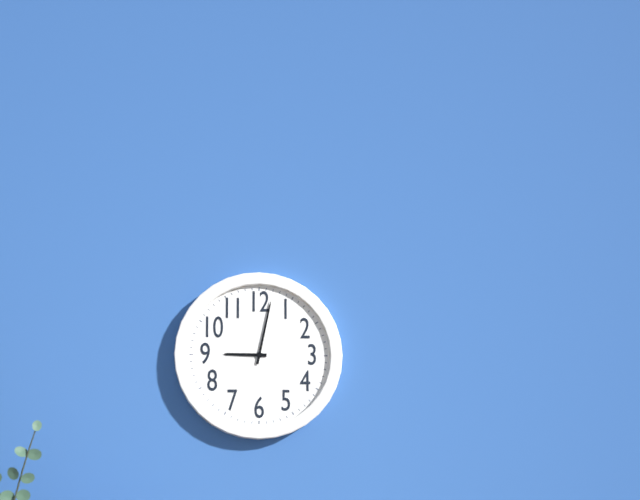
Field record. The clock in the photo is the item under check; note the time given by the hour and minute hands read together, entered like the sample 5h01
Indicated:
9h02
